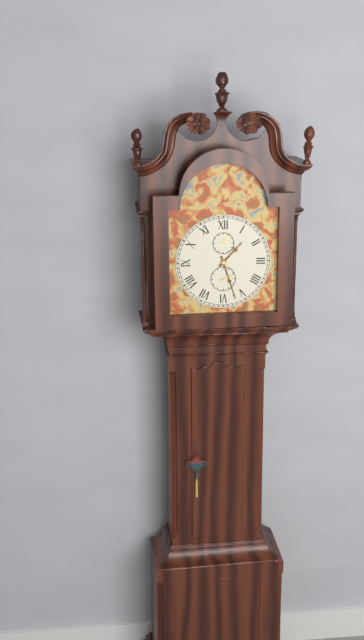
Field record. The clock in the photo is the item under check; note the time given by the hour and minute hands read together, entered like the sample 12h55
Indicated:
1h27
